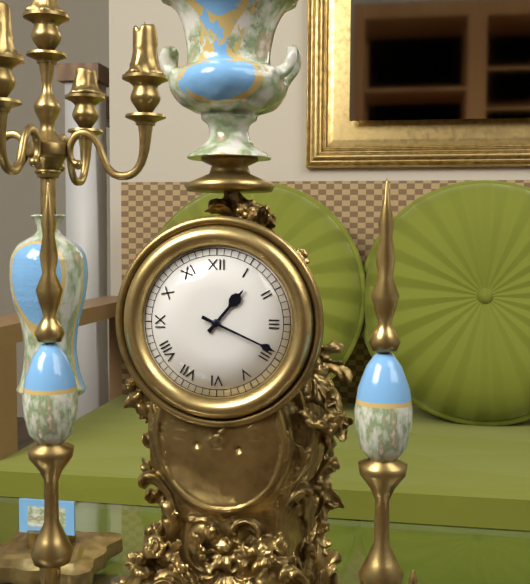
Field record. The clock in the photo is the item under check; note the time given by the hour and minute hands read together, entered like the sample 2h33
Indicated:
1h19
